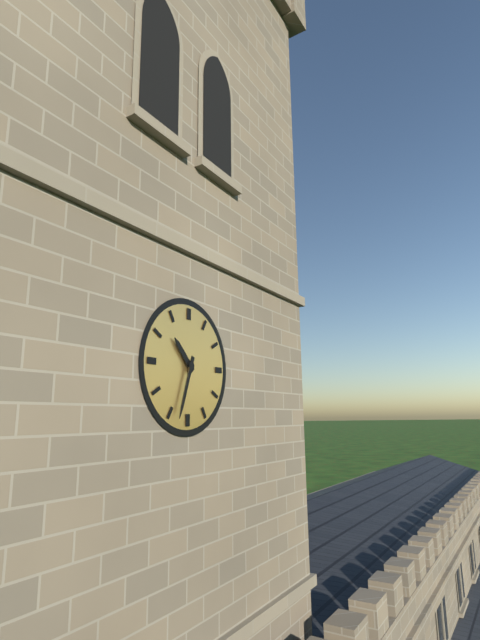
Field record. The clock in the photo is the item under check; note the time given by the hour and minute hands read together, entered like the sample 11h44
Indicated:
10h33
